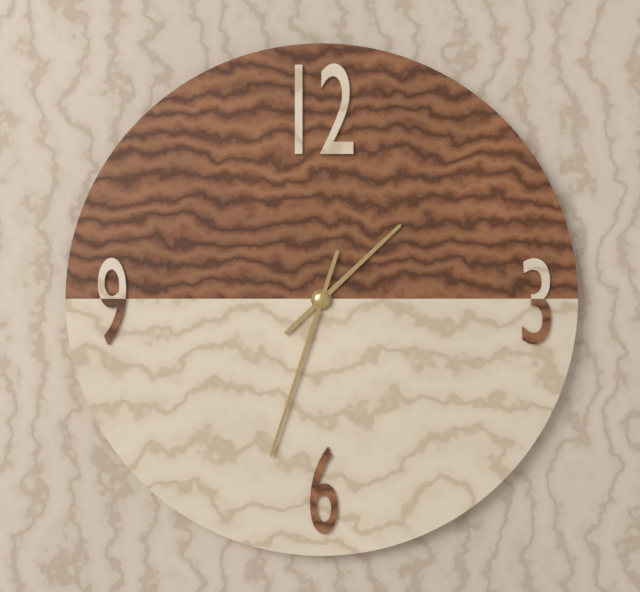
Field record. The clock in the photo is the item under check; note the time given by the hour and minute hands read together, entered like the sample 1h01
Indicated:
1h33
